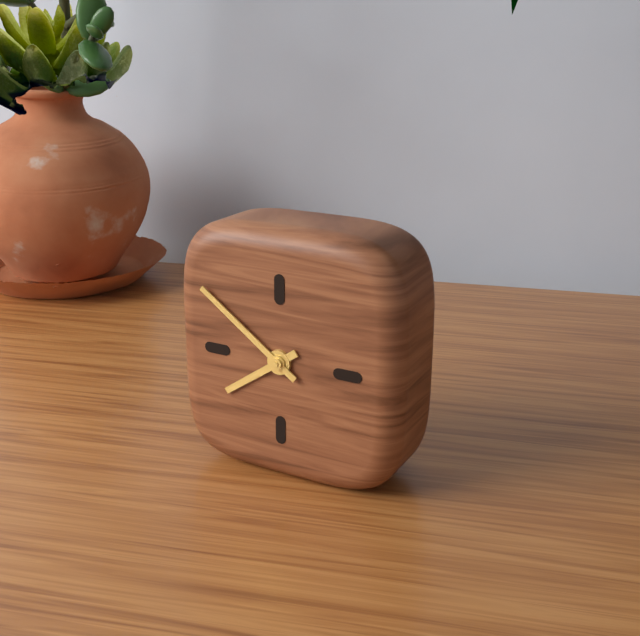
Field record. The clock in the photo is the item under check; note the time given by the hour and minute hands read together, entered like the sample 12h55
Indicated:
7h51
